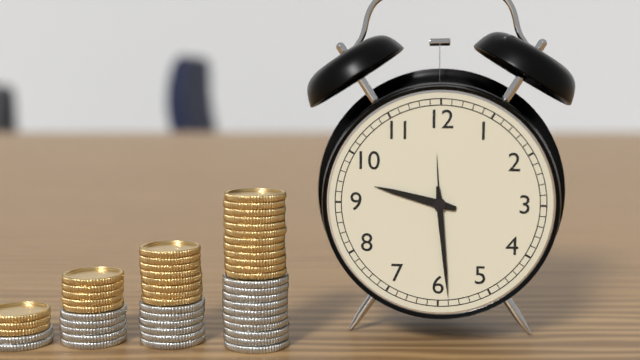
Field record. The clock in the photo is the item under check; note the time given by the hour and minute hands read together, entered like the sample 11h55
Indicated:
9h29
